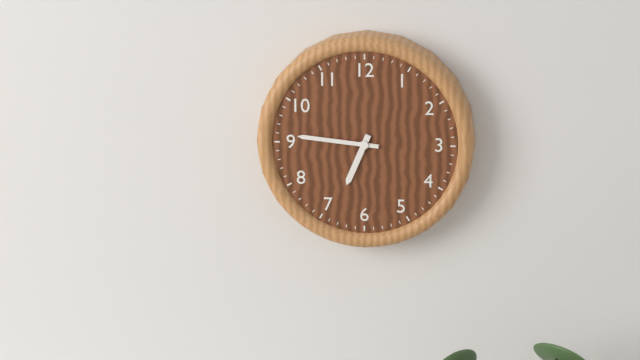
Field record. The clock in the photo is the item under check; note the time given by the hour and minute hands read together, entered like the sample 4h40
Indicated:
6h46
